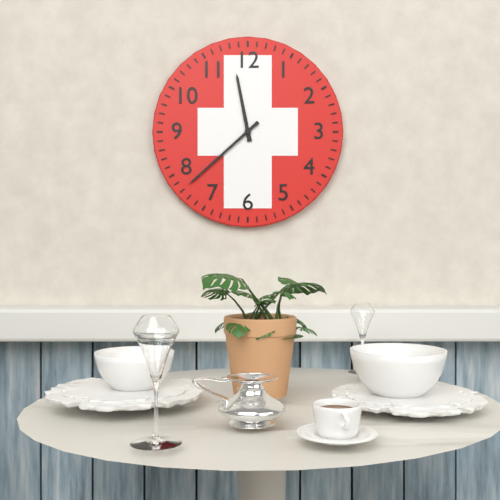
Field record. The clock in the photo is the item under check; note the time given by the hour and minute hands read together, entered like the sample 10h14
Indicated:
11h38
